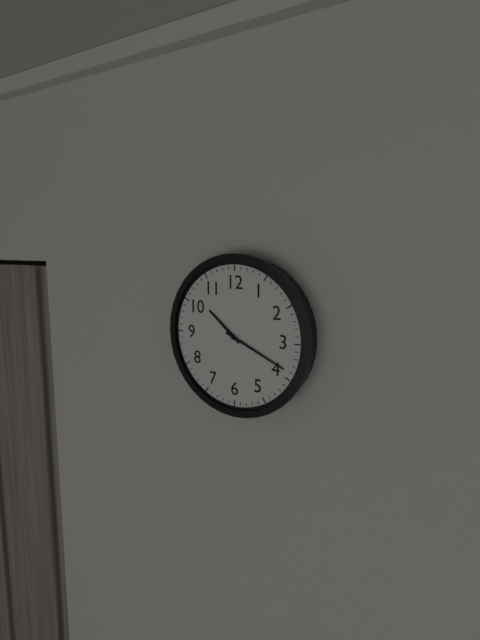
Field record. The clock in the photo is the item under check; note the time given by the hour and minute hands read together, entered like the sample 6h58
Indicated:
10h19
